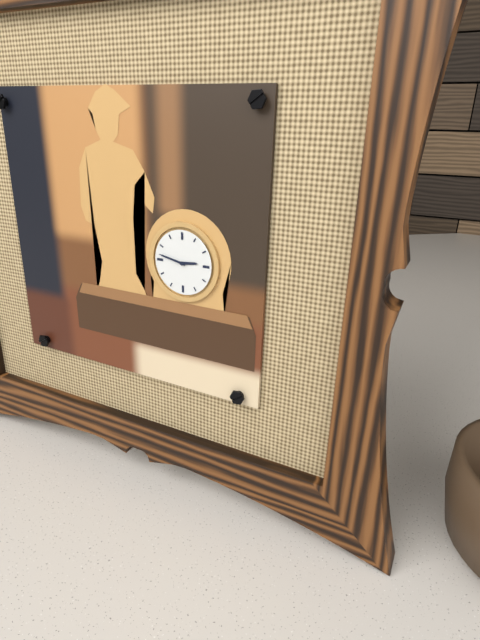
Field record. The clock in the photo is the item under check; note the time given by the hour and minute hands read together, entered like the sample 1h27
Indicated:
2h47
